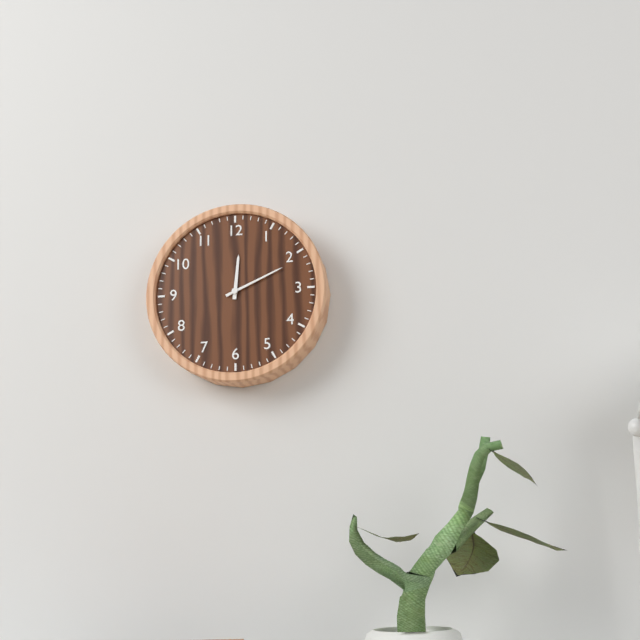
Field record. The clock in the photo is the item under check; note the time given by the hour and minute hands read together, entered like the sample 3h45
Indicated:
12h11
